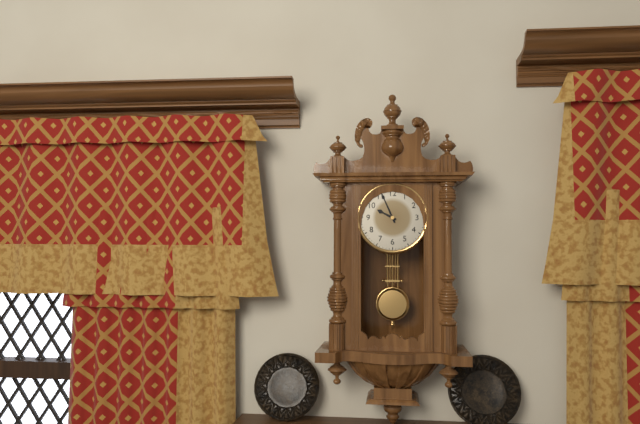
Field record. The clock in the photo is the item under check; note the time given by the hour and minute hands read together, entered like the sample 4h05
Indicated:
9h56
